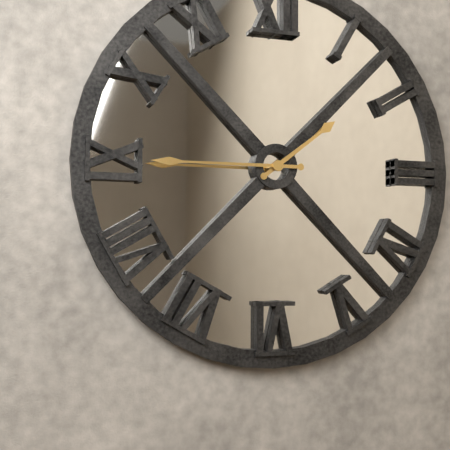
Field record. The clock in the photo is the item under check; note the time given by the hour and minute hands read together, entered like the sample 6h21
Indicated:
1h45
